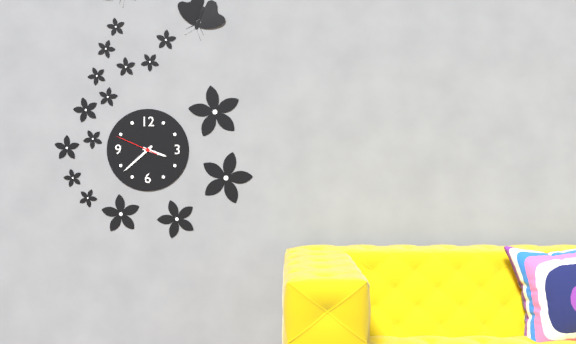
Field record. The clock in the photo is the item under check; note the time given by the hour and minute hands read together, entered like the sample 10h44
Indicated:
3h38
